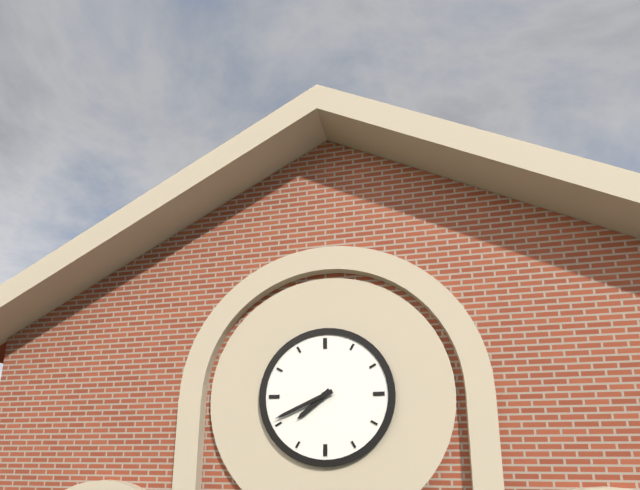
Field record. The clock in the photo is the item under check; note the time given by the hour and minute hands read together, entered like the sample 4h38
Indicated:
7h41
